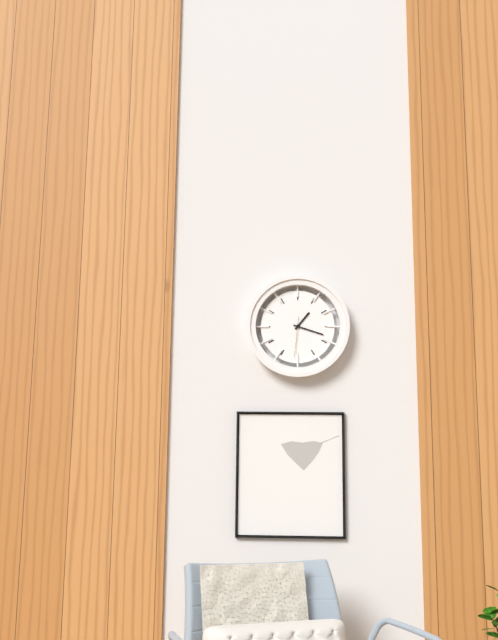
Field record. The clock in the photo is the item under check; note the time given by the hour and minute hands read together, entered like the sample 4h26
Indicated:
1h18
